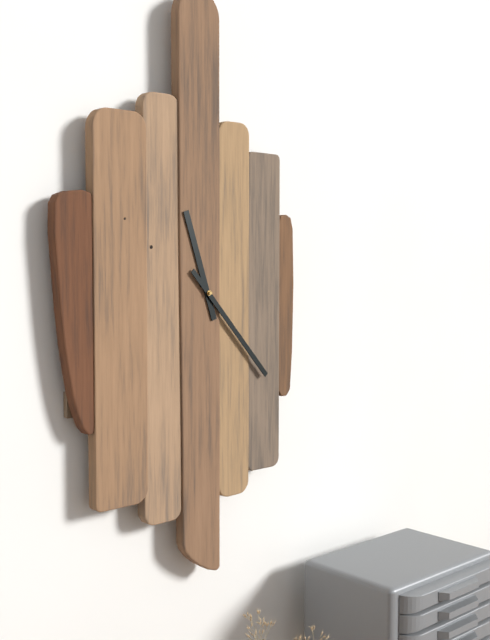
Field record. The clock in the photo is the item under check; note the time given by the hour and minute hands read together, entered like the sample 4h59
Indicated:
11h23
